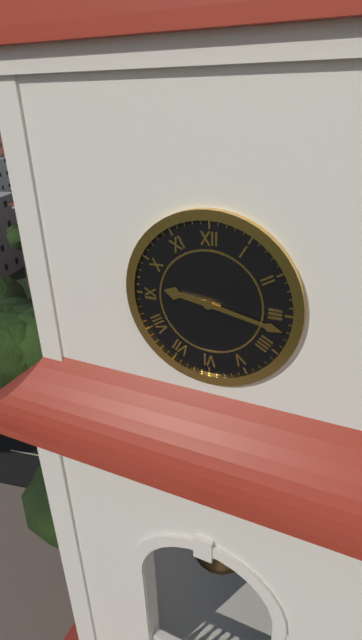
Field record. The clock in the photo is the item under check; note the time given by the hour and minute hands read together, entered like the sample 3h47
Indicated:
9h17
